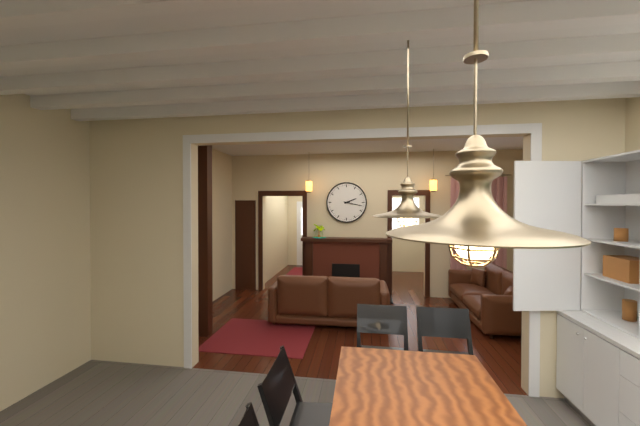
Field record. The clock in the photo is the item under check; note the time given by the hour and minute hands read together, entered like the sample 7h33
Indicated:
2h17
